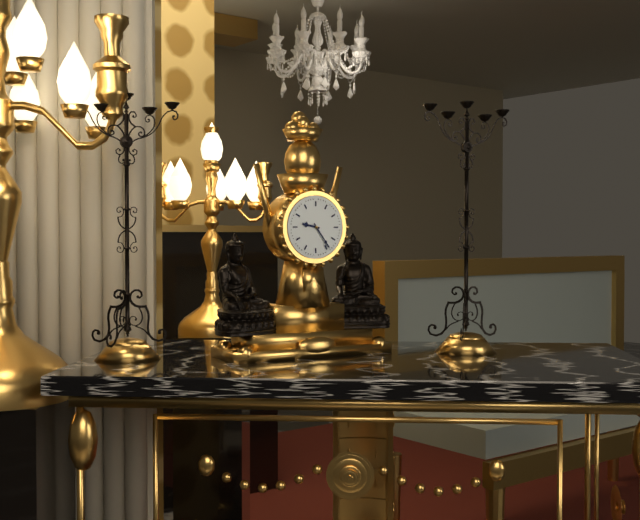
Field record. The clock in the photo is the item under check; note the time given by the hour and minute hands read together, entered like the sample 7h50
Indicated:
9h24
